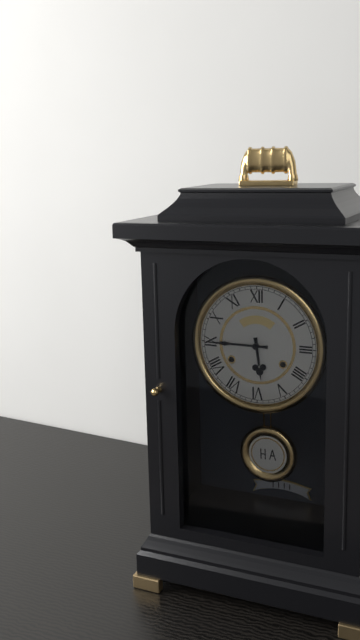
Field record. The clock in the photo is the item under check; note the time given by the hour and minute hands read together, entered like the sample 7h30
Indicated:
5h45
